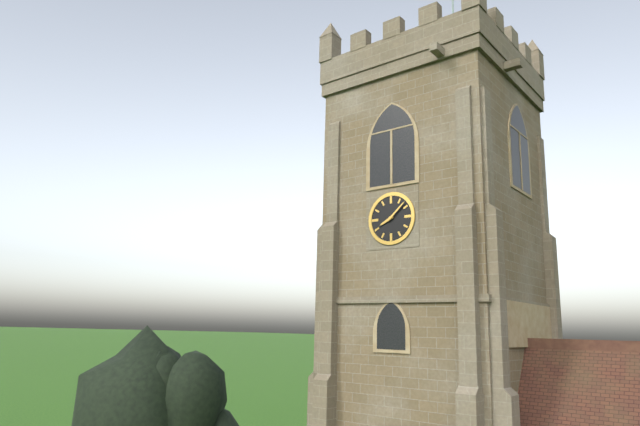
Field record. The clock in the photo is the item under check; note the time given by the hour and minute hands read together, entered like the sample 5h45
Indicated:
8h08
